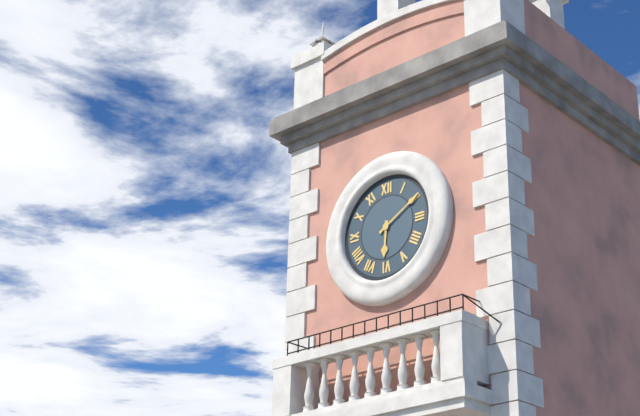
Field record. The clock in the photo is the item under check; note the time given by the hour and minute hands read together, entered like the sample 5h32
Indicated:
6h10
